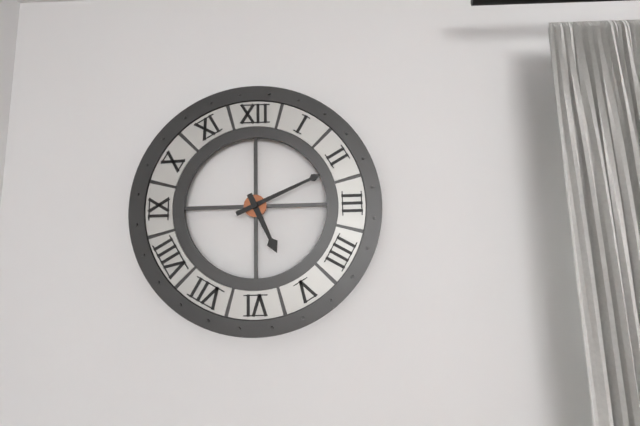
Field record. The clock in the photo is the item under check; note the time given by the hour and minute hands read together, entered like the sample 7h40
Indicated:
5h11
